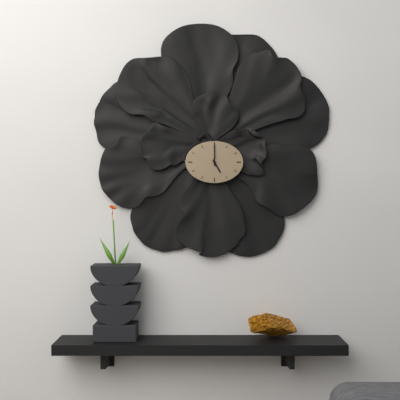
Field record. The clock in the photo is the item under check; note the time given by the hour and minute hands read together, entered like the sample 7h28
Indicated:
5h00
